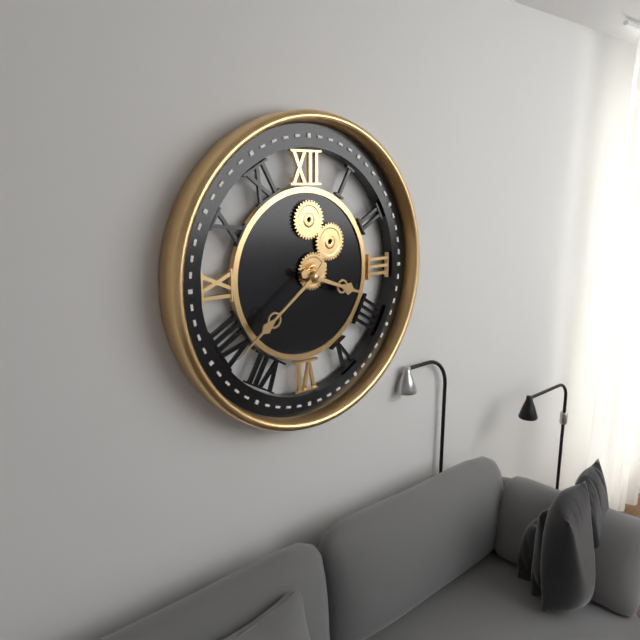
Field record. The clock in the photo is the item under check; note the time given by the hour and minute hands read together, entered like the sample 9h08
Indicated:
3h39
